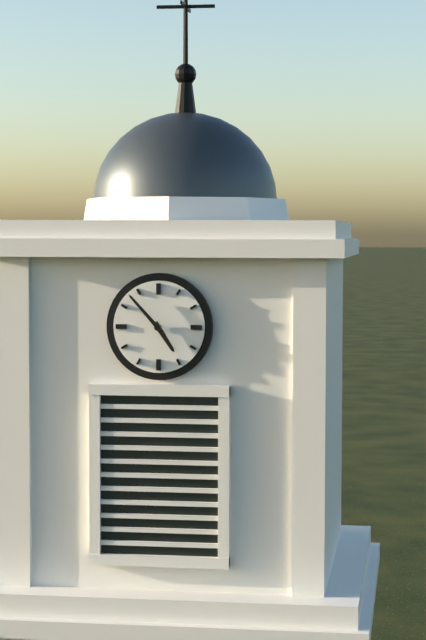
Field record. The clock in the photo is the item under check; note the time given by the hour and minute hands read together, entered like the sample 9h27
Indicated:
4h53
